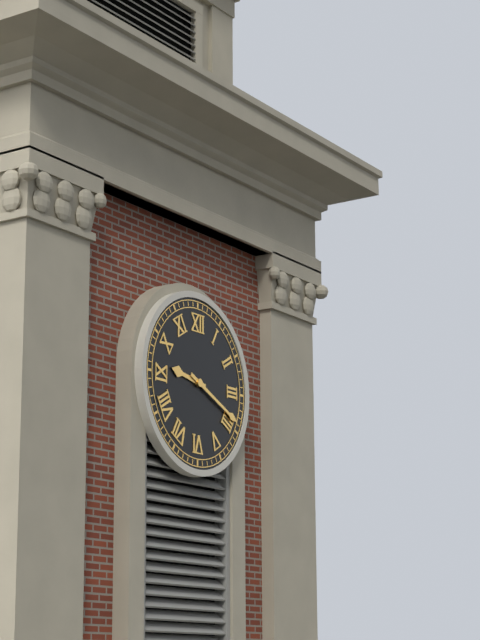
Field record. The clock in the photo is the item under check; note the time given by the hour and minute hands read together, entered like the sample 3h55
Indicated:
9h19
